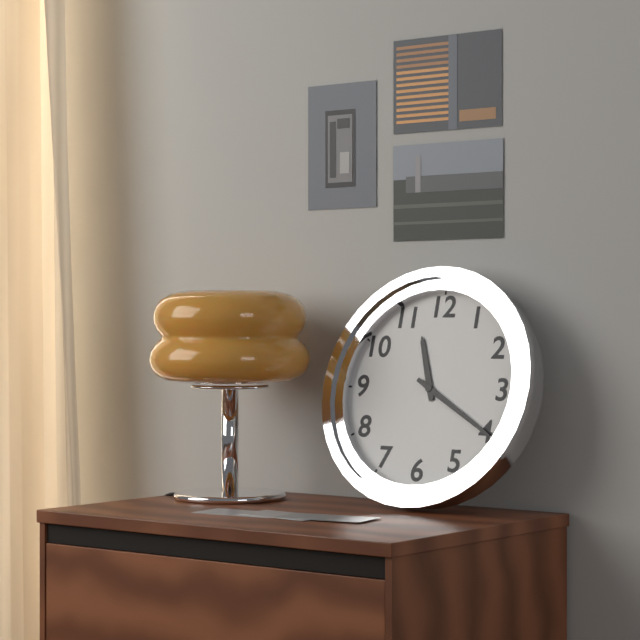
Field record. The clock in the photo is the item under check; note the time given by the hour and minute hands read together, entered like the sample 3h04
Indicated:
11h20
